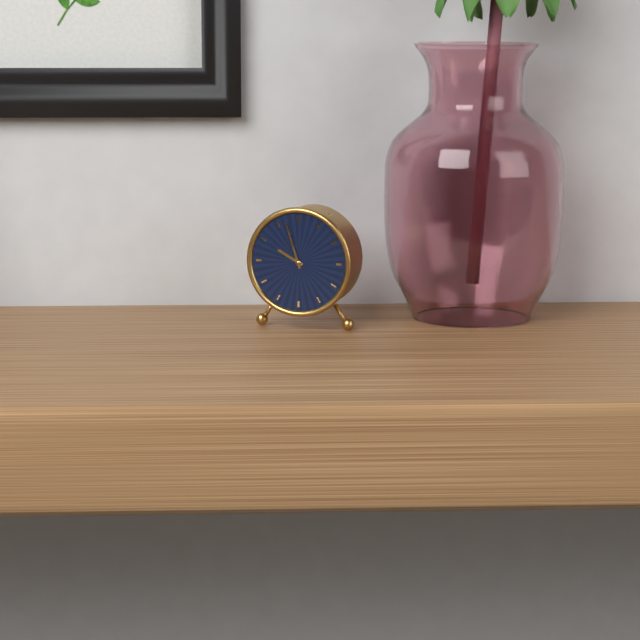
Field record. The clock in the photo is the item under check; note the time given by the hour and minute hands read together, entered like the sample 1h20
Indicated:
9h57
